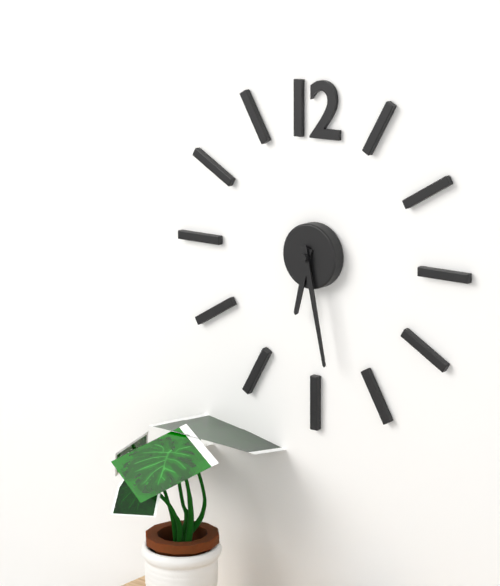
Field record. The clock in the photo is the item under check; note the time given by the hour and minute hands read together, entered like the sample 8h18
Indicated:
6h28
